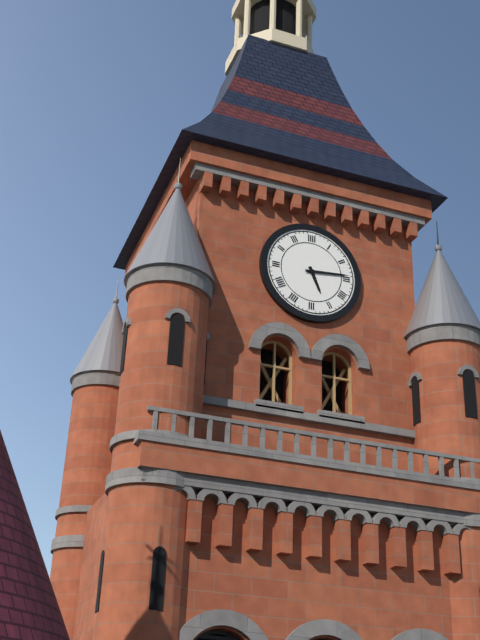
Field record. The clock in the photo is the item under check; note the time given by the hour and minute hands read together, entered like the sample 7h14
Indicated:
5h14
